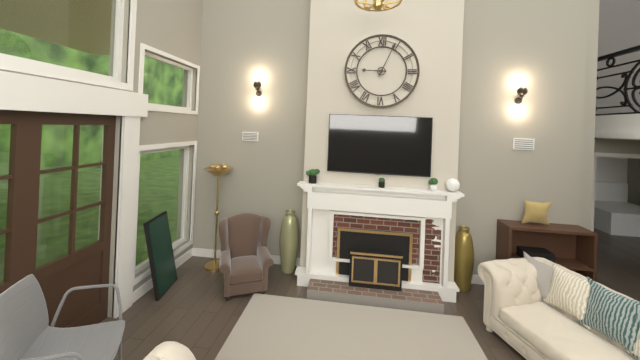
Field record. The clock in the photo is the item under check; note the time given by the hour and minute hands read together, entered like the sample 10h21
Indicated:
9h04
